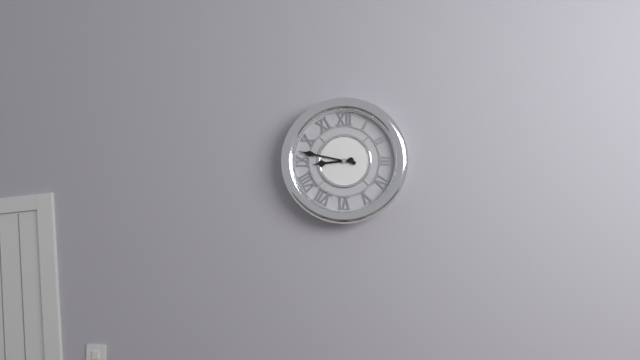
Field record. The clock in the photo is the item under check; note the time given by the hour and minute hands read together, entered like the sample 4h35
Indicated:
8h47
